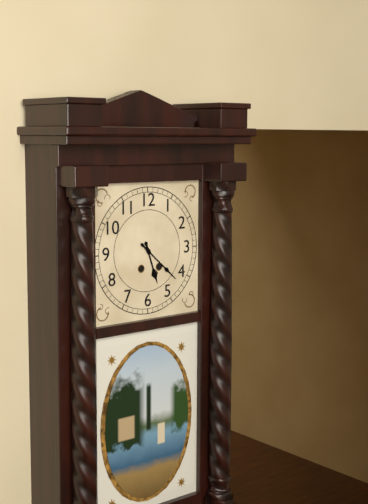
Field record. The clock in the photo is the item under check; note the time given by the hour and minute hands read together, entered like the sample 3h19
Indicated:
5h22
